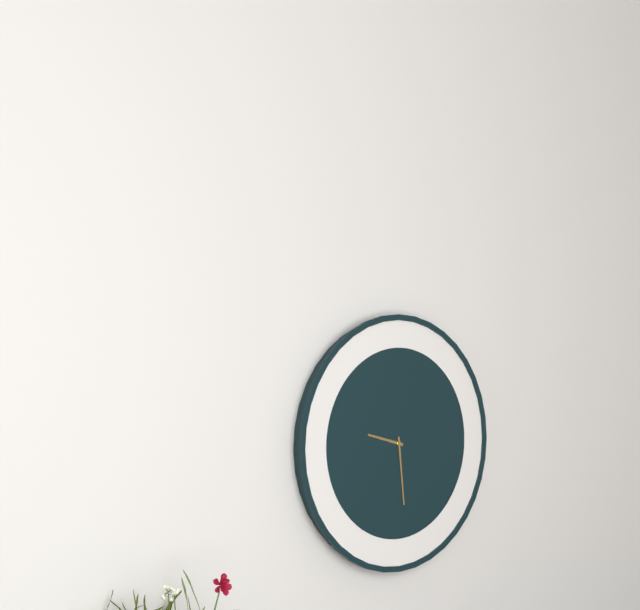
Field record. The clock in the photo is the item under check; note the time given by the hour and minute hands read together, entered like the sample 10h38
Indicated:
9h29
